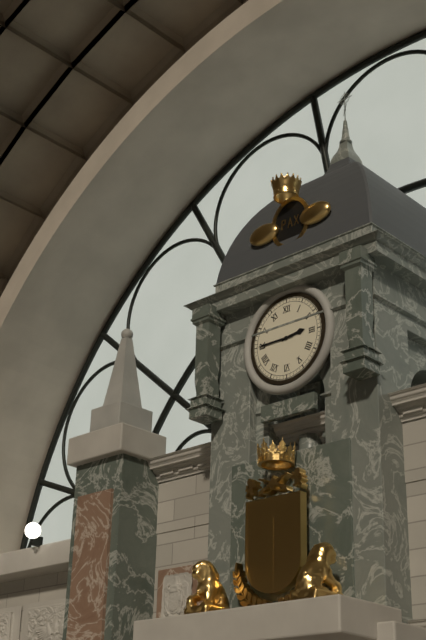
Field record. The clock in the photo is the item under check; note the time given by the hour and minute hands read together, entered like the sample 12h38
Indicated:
2h45
